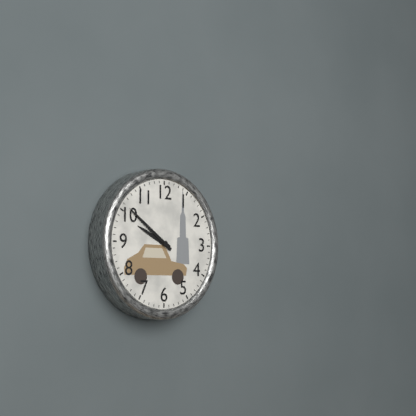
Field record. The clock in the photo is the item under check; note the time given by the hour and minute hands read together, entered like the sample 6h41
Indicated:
9h51
